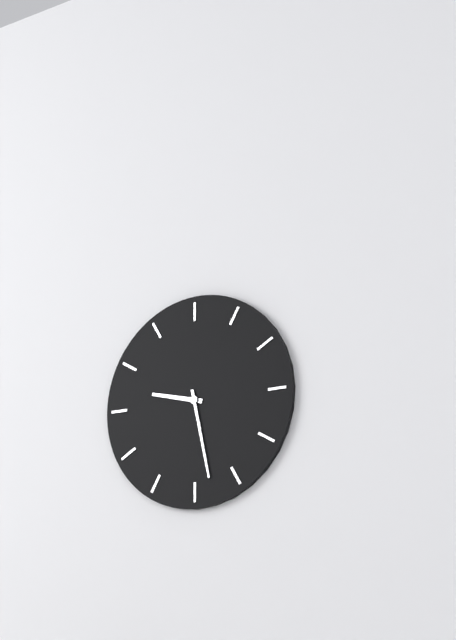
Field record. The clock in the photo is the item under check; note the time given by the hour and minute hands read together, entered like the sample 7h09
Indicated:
9h28
